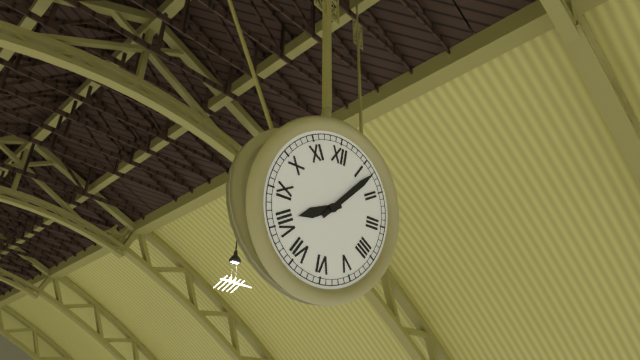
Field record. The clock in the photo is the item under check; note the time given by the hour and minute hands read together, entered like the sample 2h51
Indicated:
8h07
